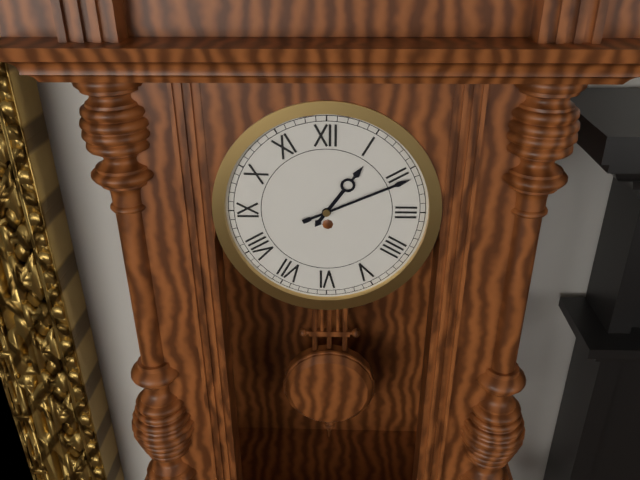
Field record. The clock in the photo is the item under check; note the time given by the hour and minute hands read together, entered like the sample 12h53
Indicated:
1h11
